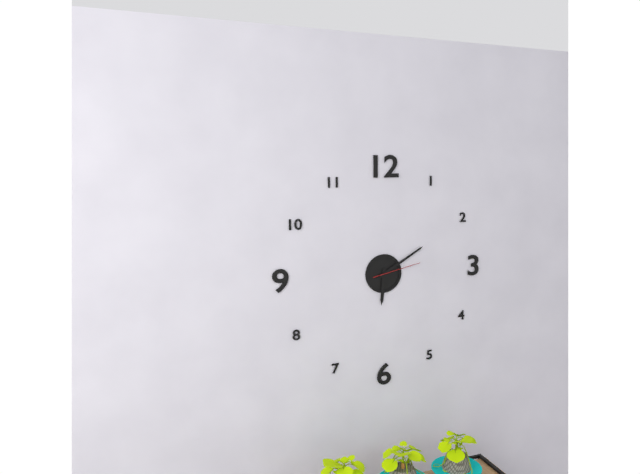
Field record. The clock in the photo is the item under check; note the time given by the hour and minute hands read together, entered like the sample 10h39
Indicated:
6h10
